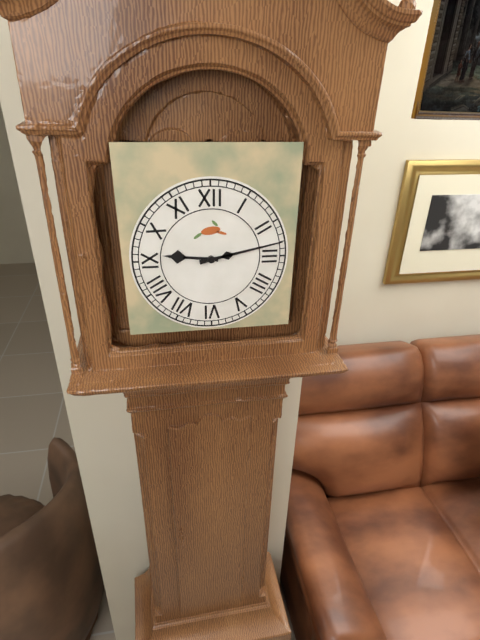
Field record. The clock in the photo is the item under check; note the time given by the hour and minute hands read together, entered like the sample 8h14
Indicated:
9h13
